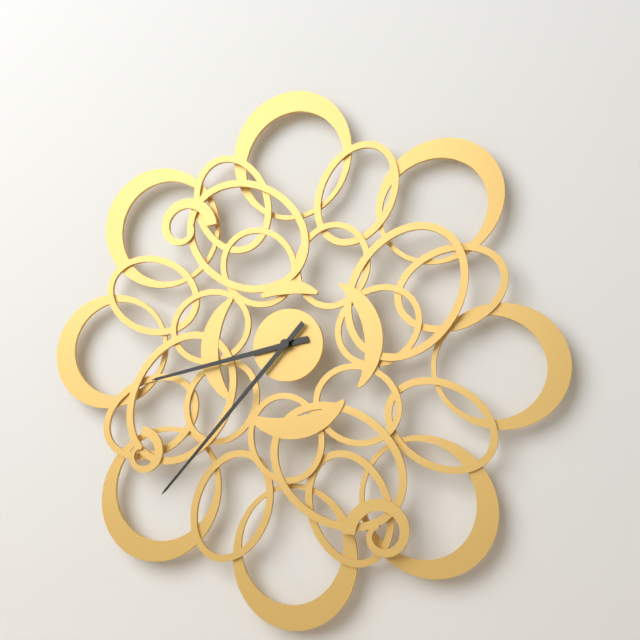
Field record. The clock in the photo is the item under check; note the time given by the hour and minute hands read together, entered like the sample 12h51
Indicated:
8h37
